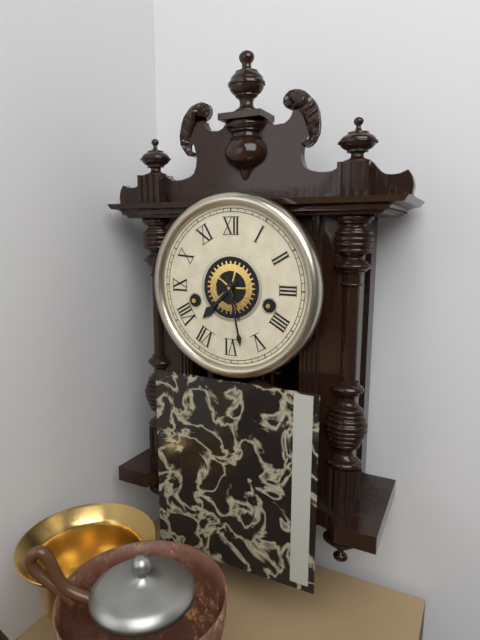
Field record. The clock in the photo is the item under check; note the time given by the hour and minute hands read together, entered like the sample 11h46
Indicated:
7h28
